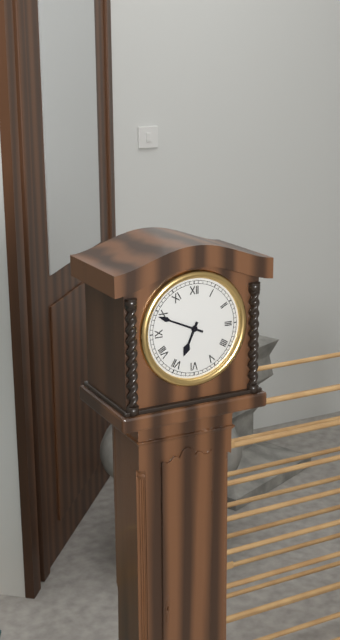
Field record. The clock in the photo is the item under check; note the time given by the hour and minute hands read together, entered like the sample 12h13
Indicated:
6h49
